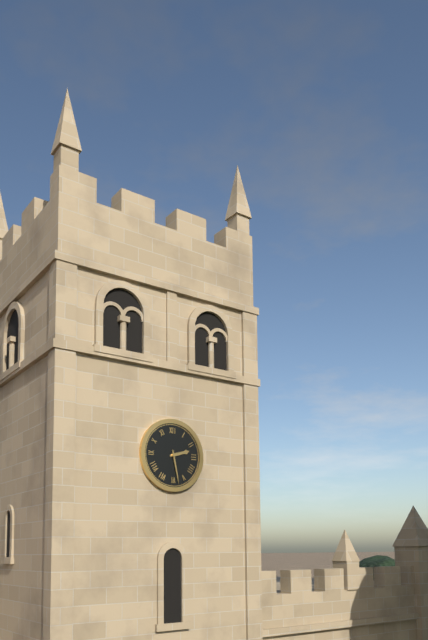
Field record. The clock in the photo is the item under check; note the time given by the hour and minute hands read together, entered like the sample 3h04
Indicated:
2h28
